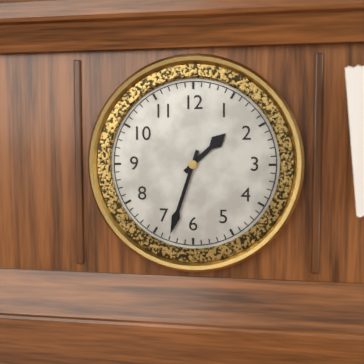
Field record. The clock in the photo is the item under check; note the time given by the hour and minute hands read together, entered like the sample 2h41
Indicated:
1h33
